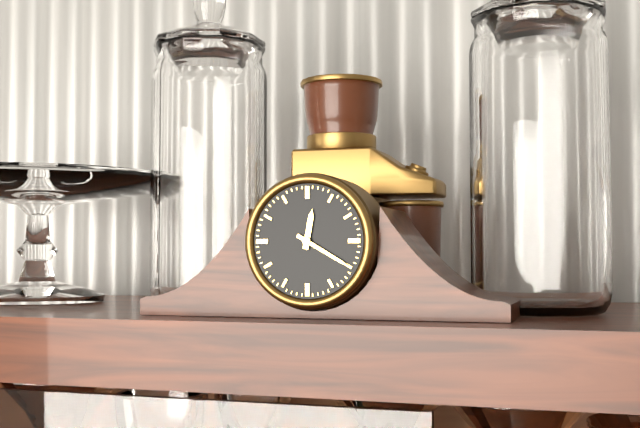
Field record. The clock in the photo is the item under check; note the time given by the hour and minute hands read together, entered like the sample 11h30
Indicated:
12h20
